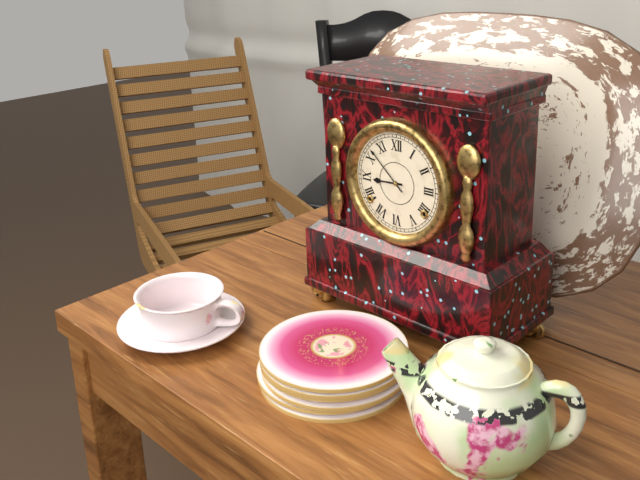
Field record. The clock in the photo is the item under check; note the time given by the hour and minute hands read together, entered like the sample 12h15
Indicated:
8h52
